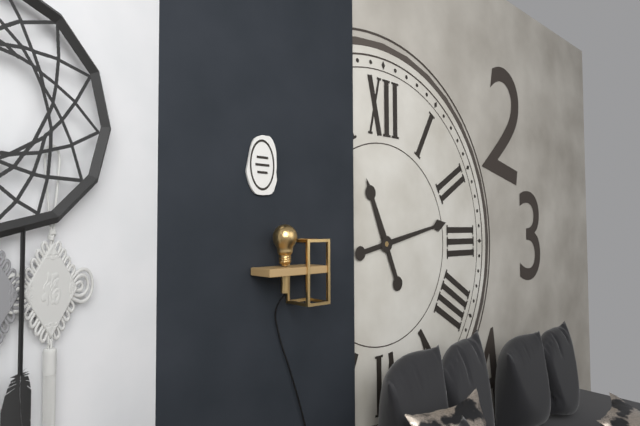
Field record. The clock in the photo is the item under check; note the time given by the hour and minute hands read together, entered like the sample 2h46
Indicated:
11h13
